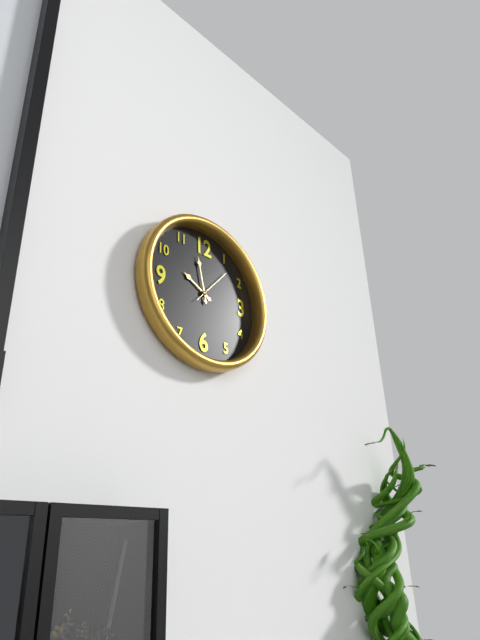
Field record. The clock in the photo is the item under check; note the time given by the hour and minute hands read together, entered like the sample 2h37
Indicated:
9h58
